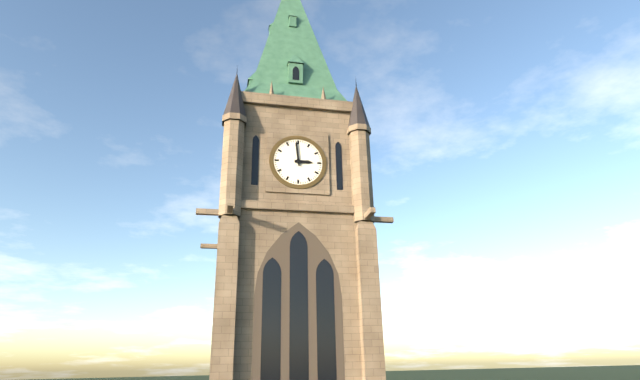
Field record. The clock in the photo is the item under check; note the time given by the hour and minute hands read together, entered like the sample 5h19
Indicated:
2h59
